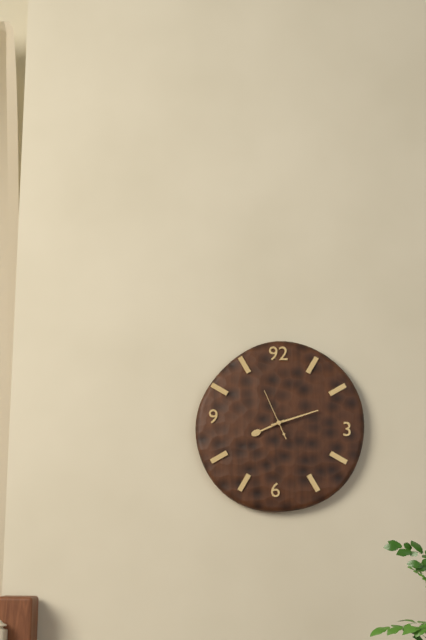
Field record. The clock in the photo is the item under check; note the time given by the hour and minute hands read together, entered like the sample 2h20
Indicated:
8h12
